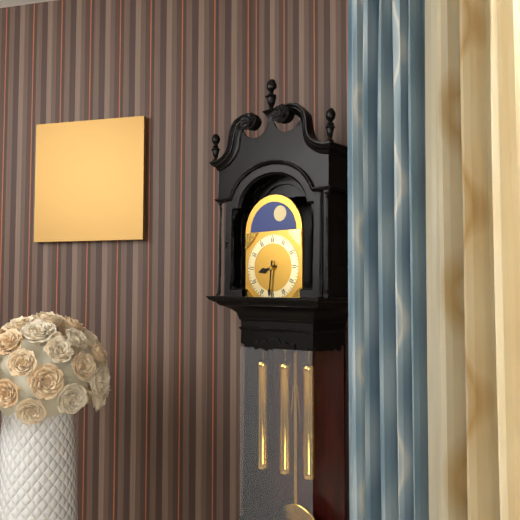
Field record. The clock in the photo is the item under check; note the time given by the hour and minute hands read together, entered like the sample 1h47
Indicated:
8h31
